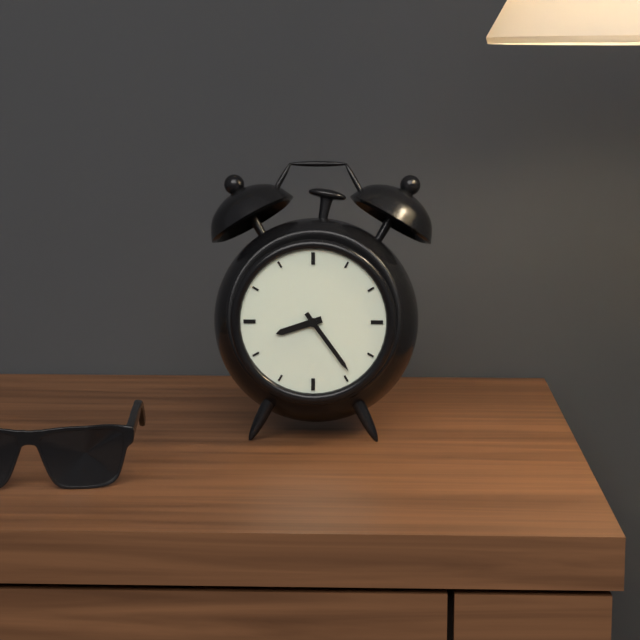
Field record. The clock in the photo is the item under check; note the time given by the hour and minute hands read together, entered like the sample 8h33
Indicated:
8h24
